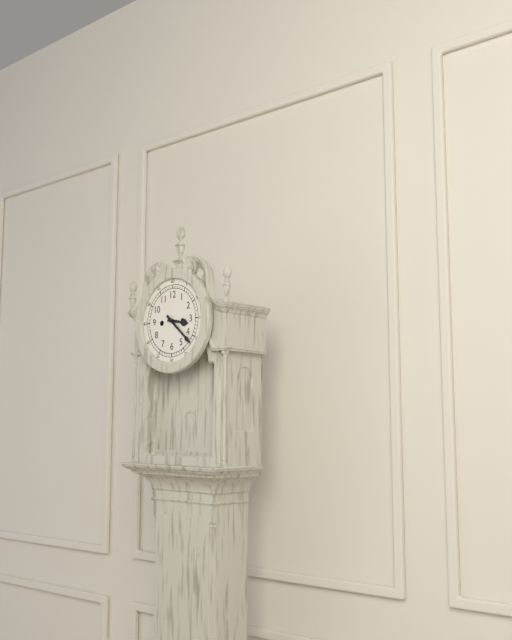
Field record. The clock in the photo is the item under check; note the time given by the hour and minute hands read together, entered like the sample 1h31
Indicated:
3h22
